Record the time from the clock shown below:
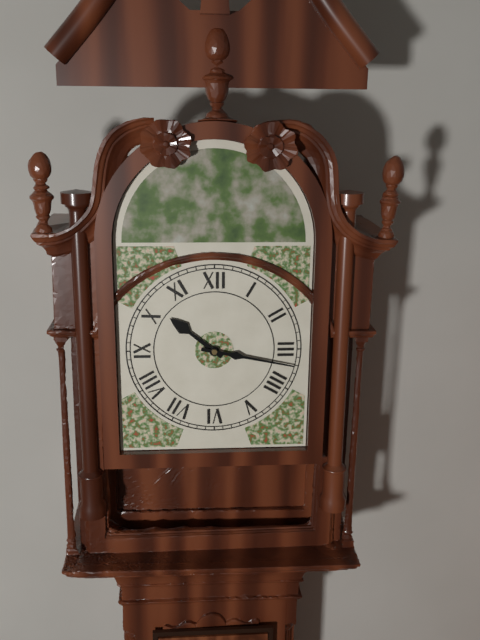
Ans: 10:17
